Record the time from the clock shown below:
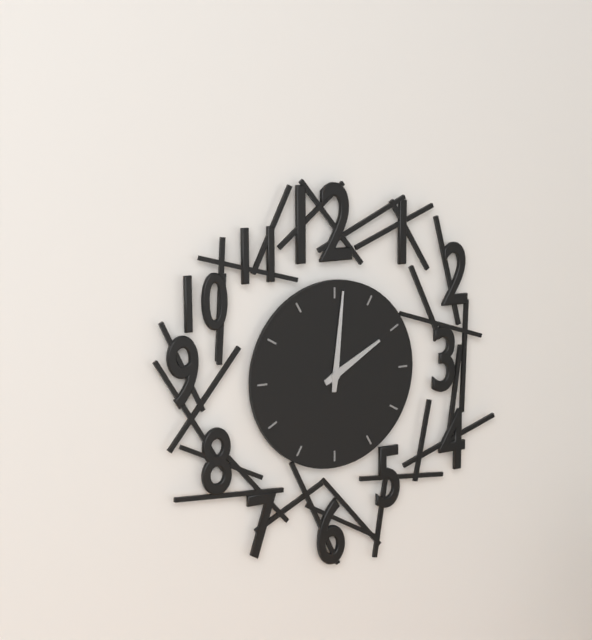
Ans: 2:01
